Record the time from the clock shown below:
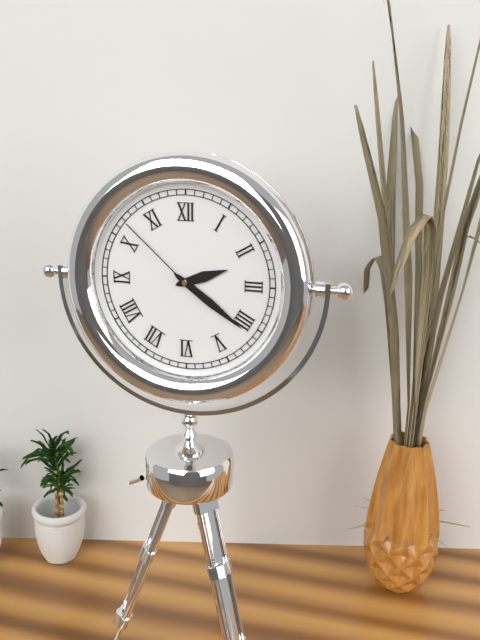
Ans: 2:21:52
